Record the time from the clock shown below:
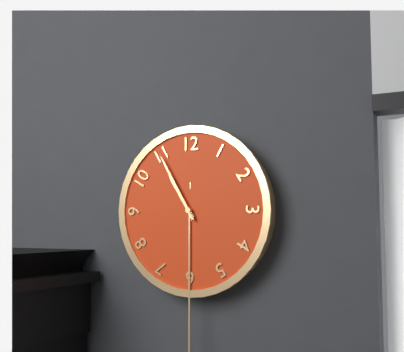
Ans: 10:55
